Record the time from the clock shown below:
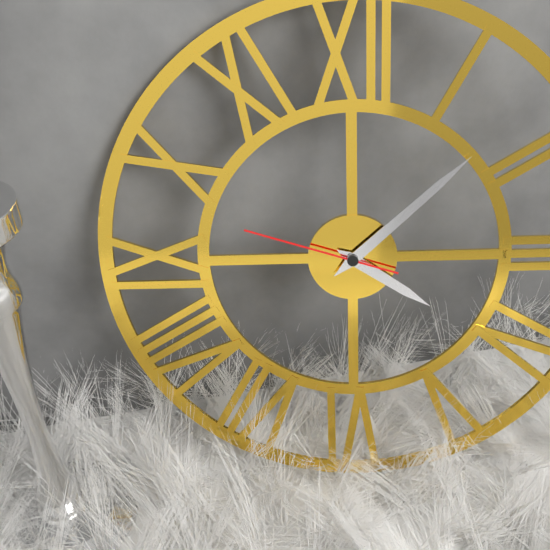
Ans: 4:08:48
